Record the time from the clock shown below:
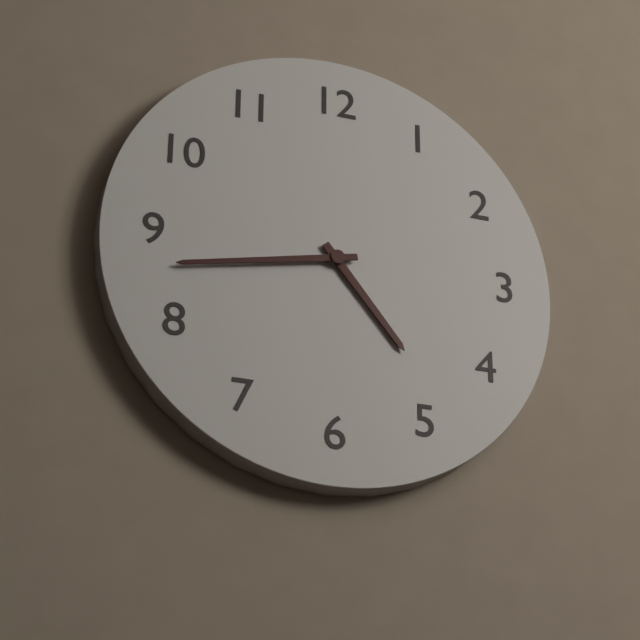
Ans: 4:43
